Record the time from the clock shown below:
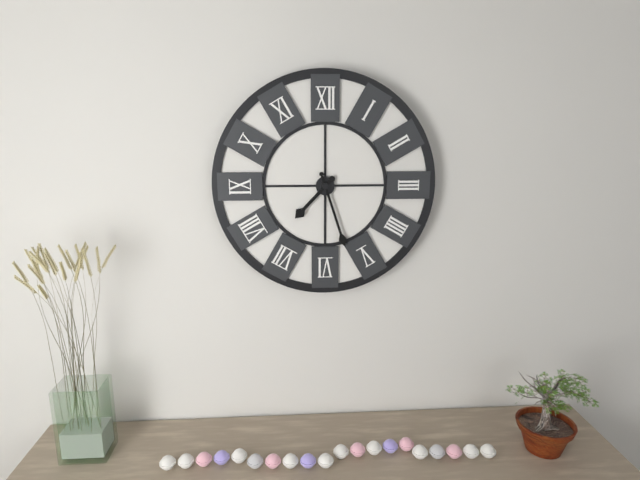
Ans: 7:27
